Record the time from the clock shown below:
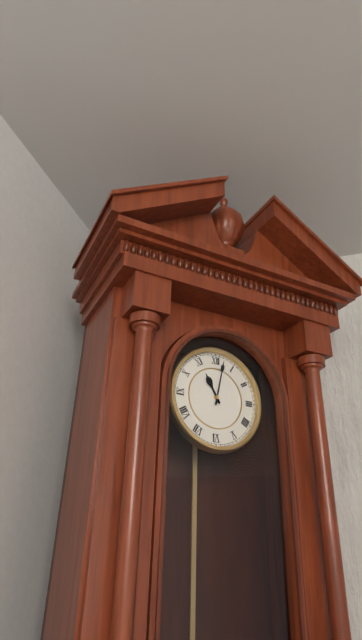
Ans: 11:02
